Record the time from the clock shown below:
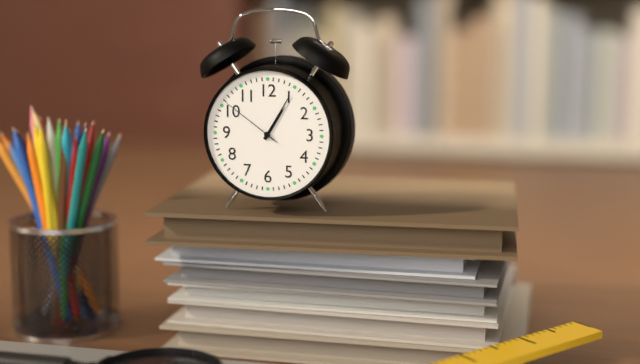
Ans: 1:05:51
